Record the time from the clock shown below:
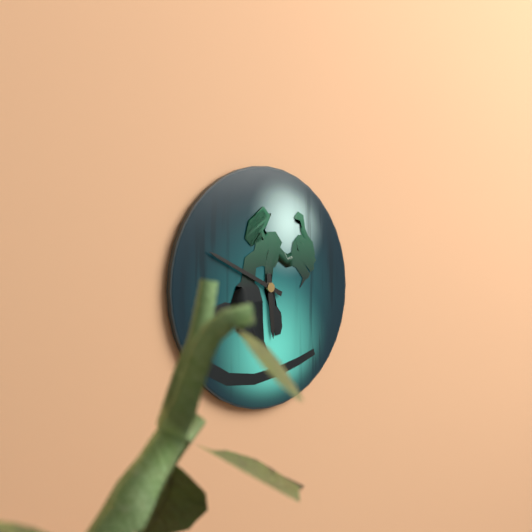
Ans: 5:49
